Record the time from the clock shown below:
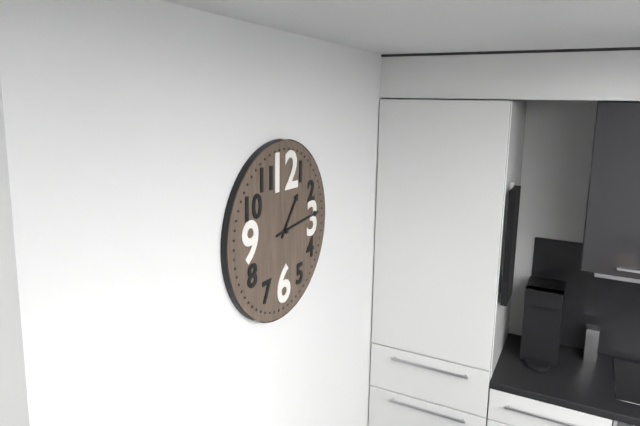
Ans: 1:14
